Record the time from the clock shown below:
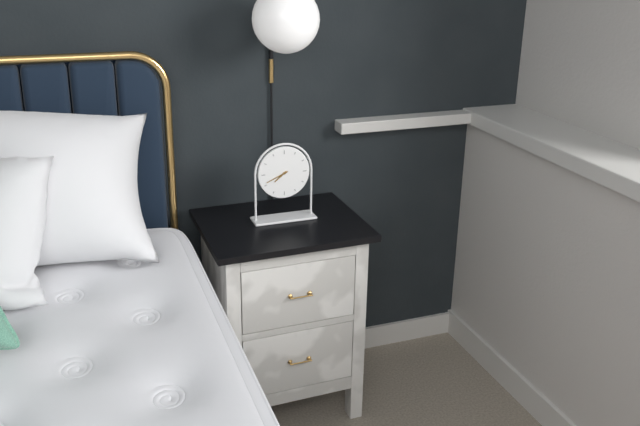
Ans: 7:41
